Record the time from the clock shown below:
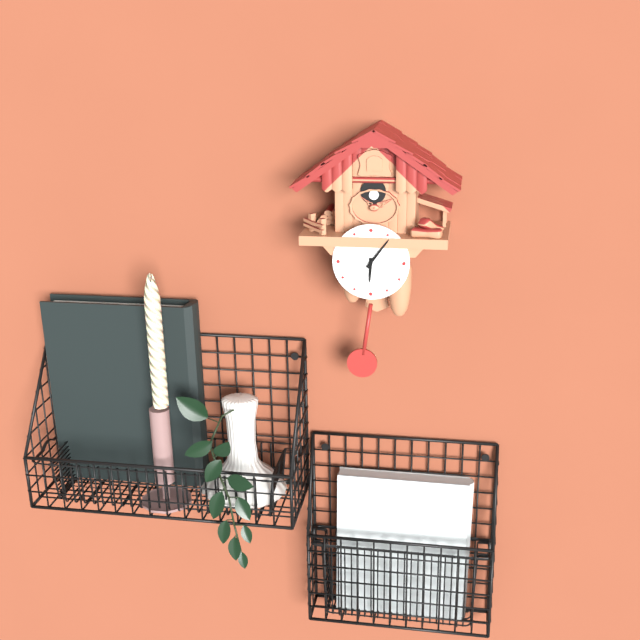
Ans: 6:06
